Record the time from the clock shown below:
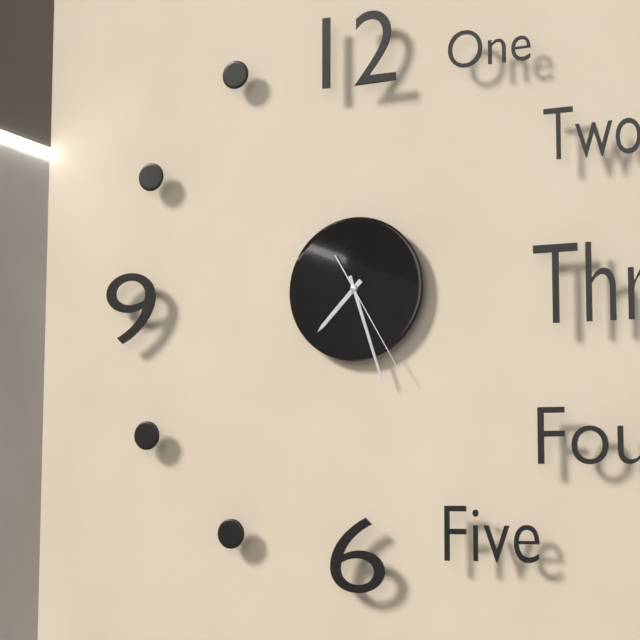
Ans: 7:27:25
